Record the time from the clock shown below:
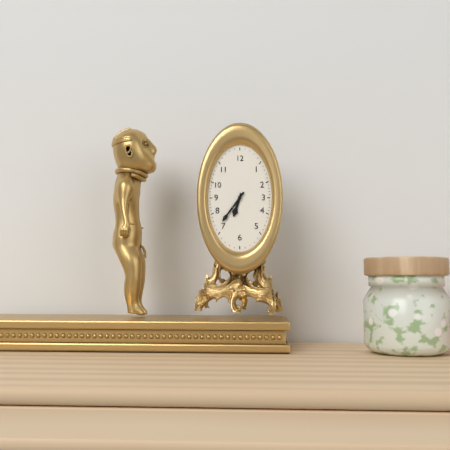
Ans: 6:36
